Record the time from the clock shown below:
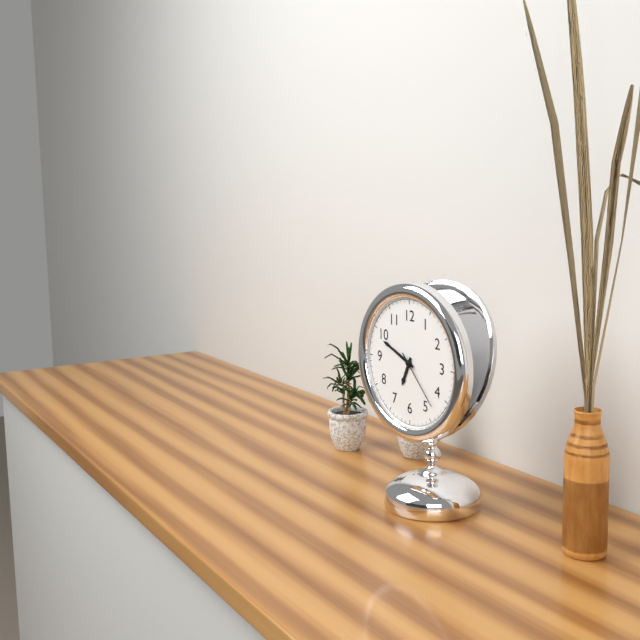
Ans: 6:49:23
